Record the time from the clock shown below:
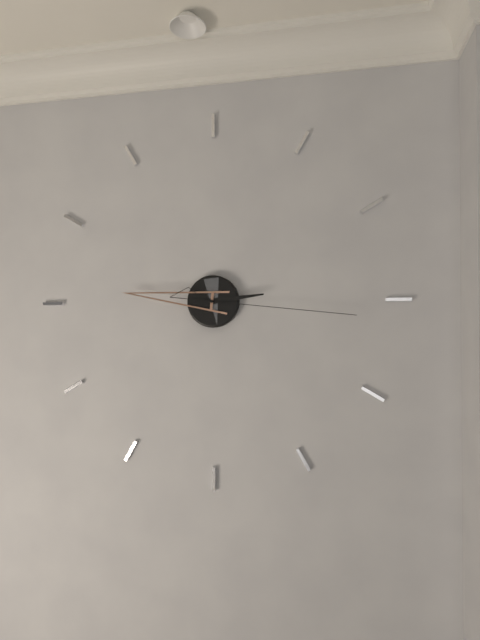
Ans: 2:46:16
